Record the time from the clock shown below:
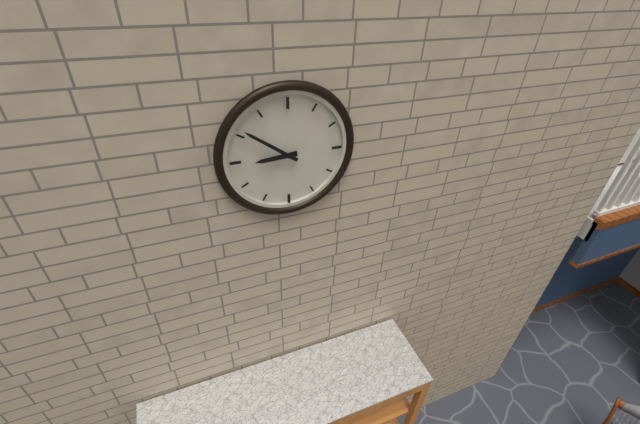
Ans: 8:51
